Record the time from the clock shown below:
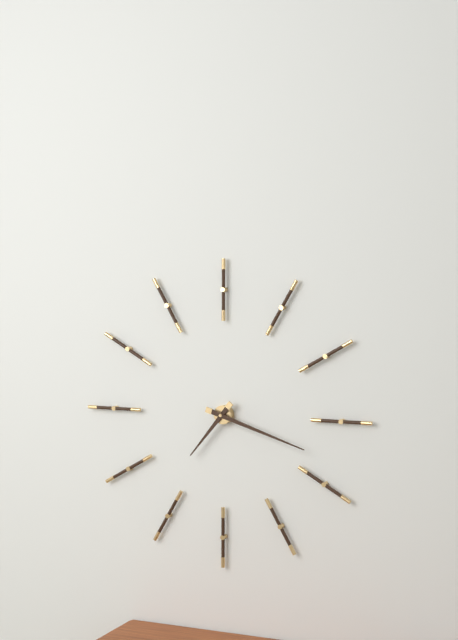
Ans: 7:18
